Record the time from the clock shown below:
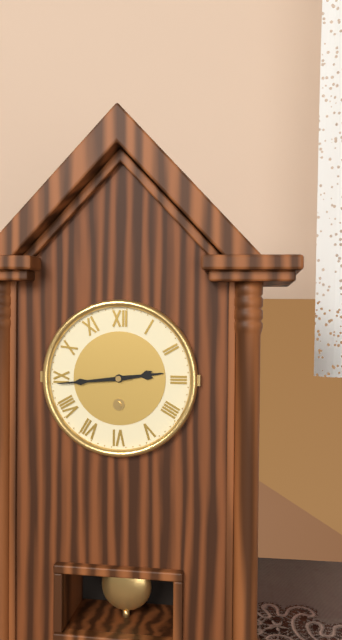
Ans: 2:44
